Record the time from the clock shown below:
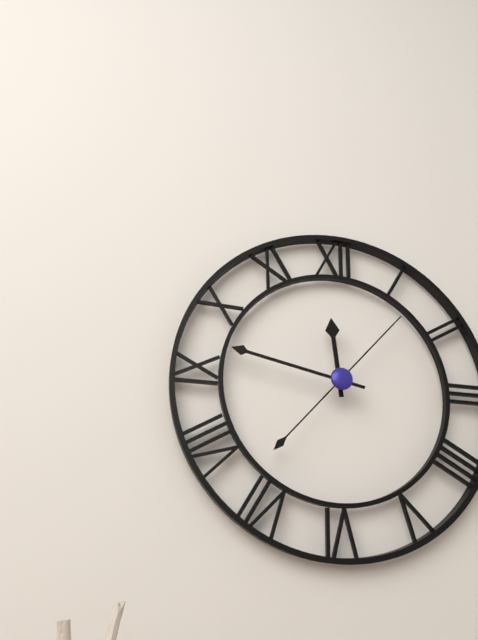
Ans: 11:47:07
